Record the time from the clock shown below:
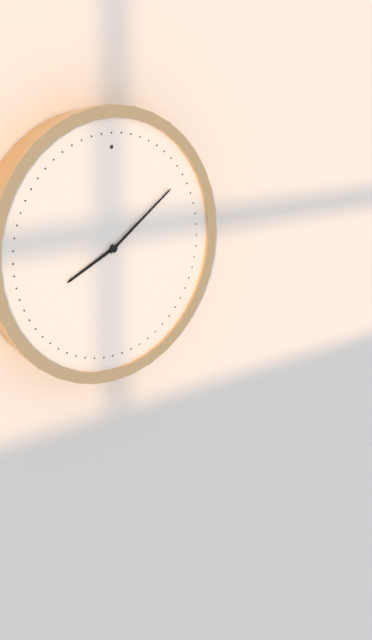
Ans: 8:09
